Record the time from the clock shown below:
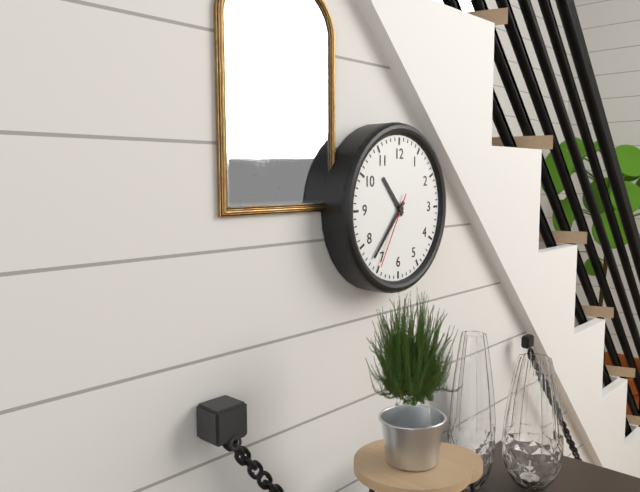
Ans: 10:37:35
